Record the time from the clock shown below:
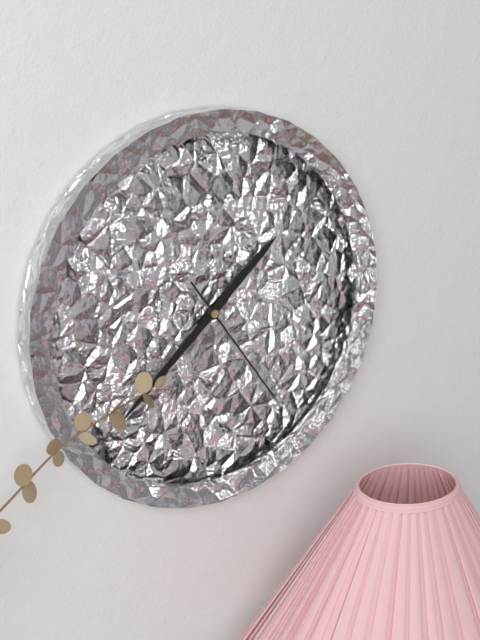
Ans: 1:38:24
